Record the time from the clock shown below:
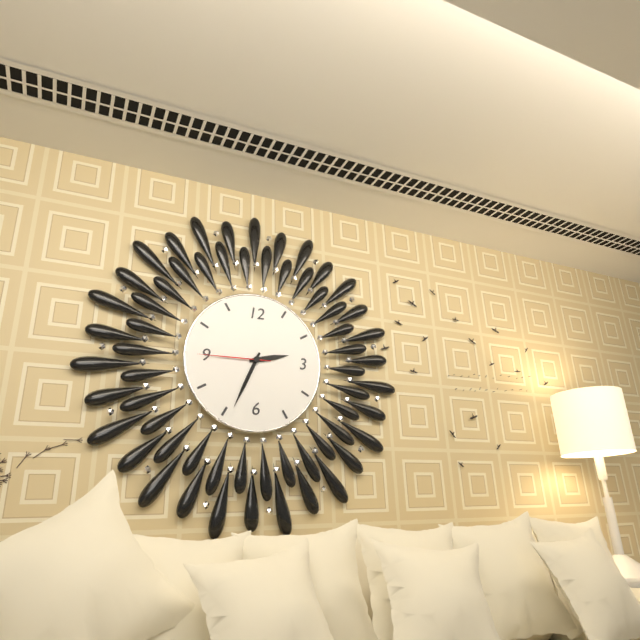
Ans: 2:34:45
